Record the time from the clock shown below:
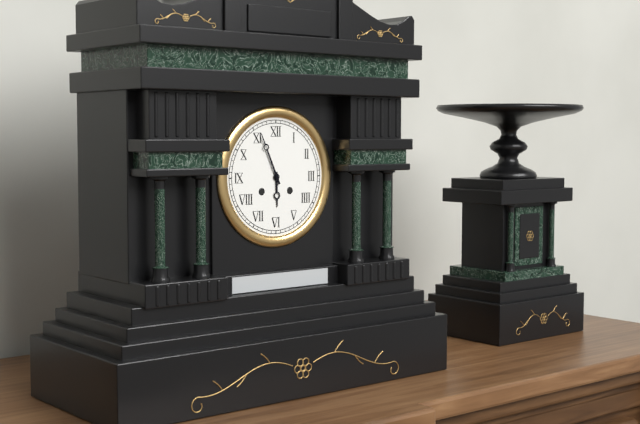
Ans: 5:56
